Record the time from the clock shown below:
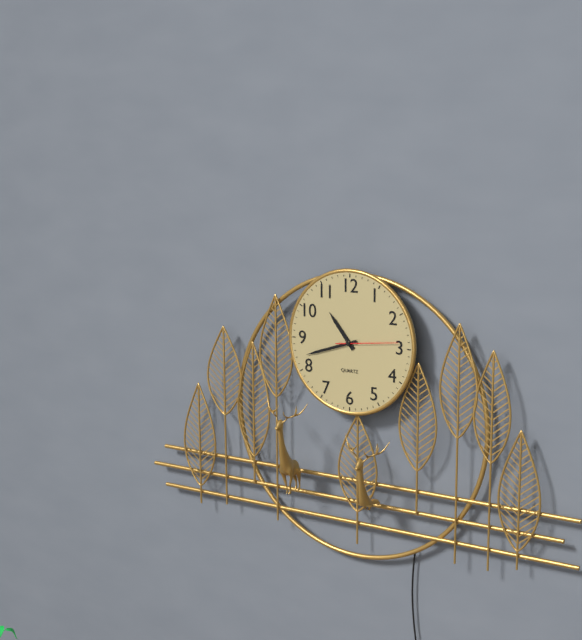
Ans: 10:42:14
